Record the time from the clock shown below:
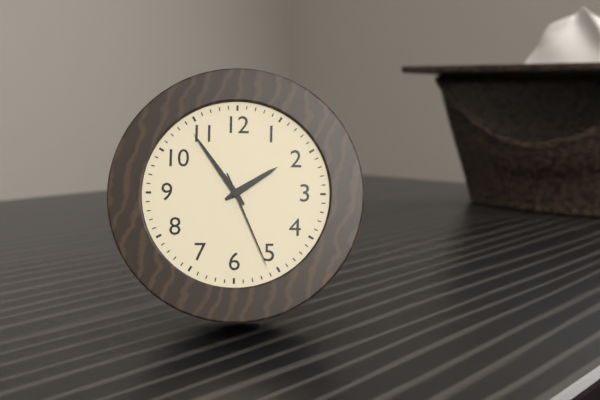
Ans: 1:54:26
